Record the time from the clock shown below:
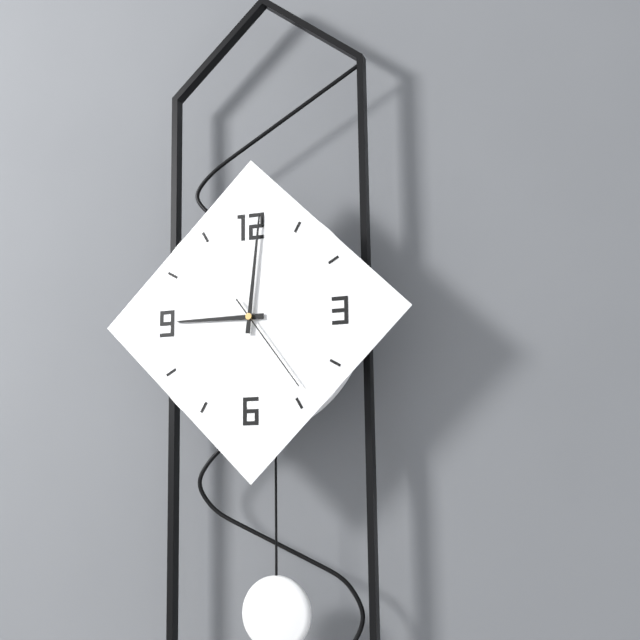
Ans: 9:01:24
